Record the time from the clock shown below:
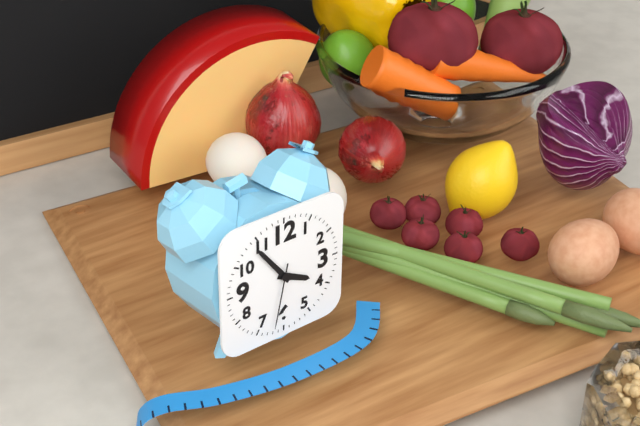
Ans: 3:54:32
